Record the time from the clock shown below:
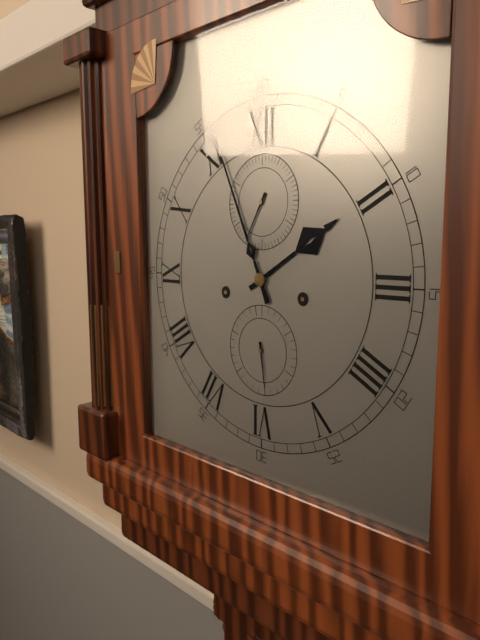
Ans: 1:56
